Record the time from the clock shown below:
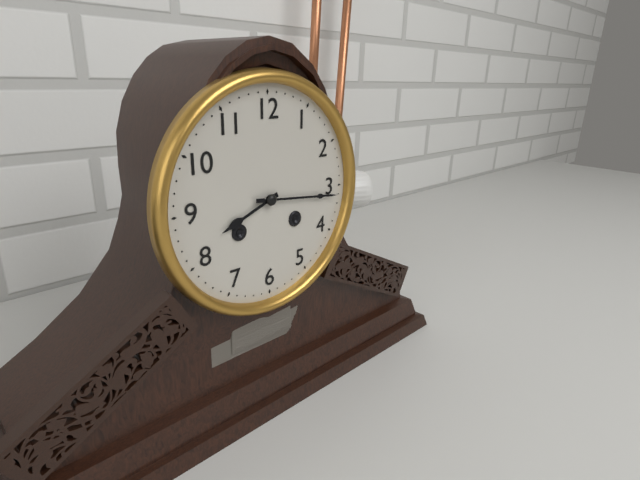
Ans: 8:16
